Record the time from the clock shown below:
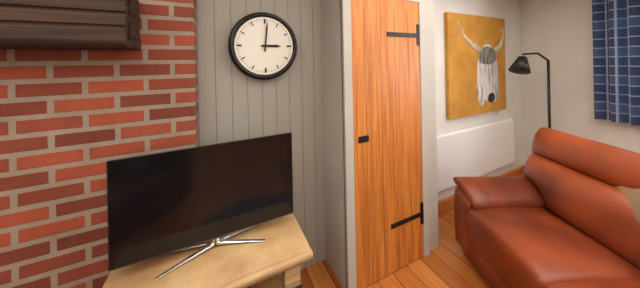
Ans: 3:01
